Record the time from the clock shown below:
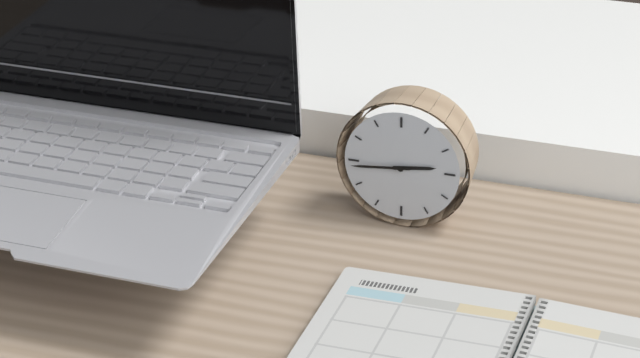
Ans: 2:44
